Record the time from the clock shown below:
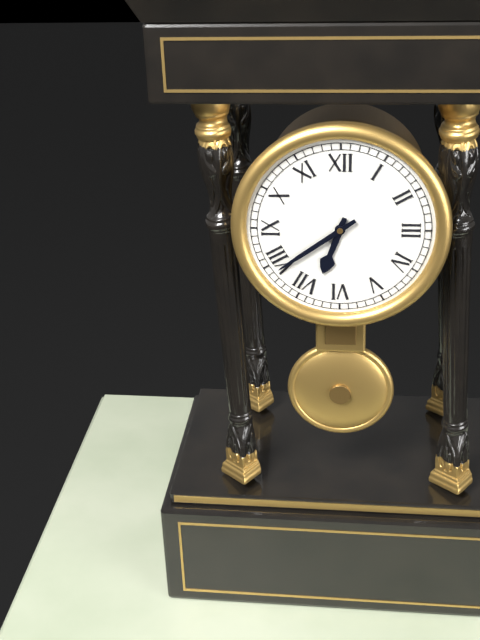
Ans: 6:39
